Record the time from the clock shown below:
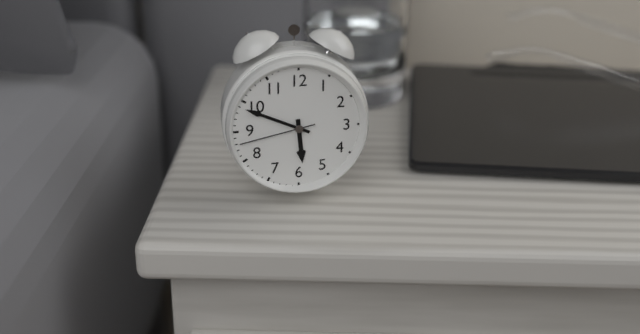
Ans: 5:49:43
